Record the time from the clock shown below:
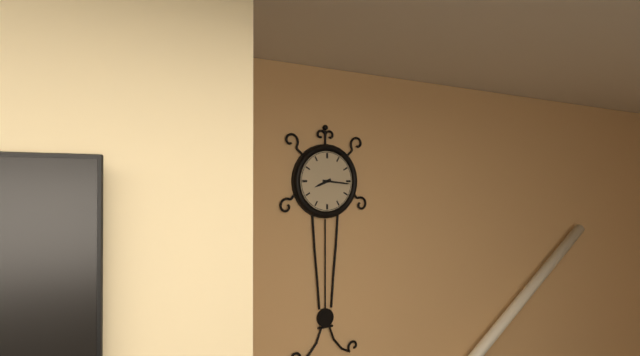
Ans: 8:16
